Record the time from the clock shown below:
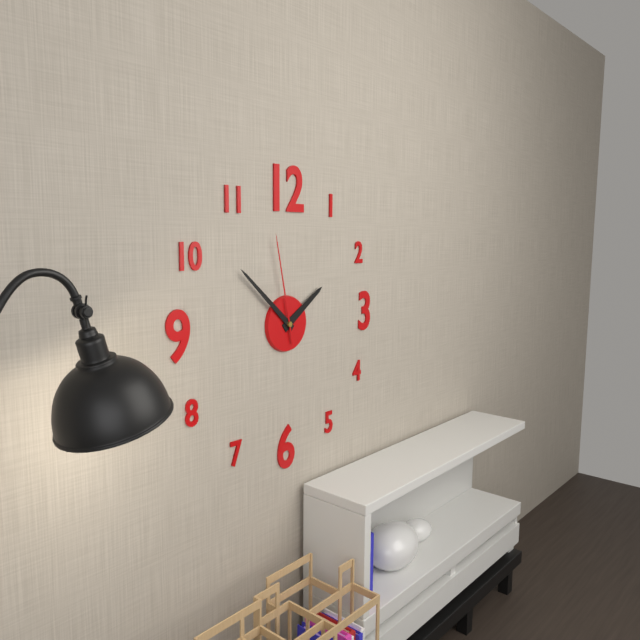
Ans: 1:52:58
